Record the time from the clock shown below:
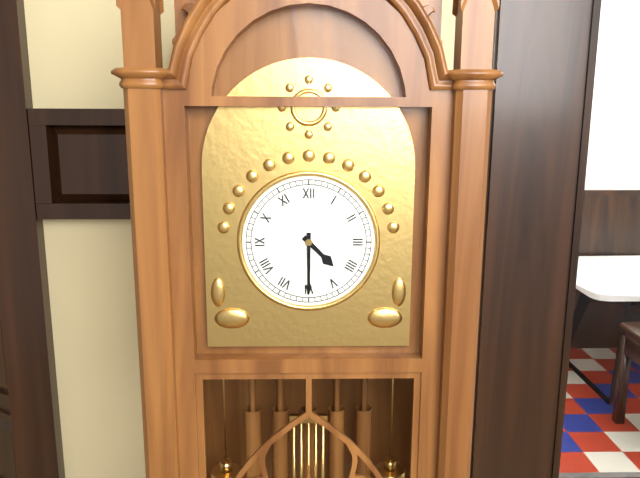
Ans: 4:30
